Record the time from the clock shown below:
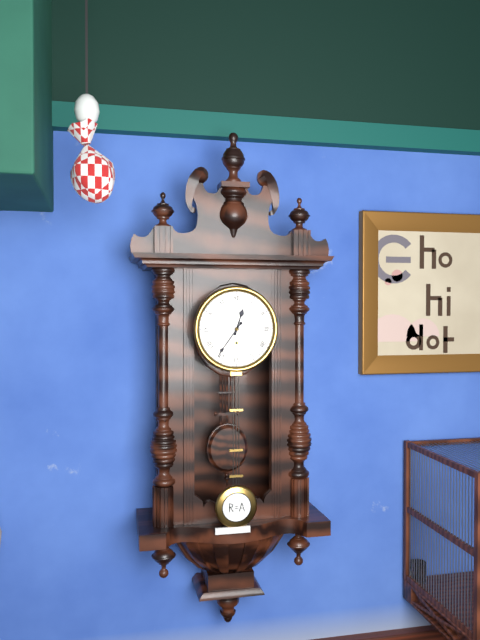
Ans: 12:36
